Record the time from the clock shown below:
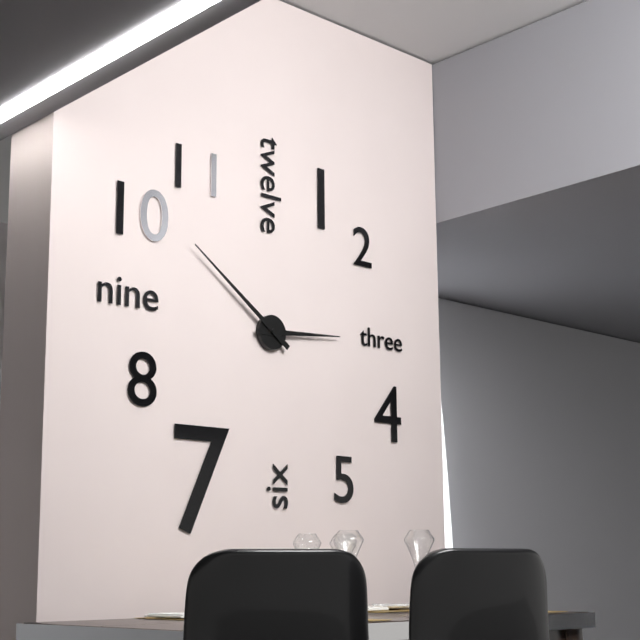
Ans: 2:51
